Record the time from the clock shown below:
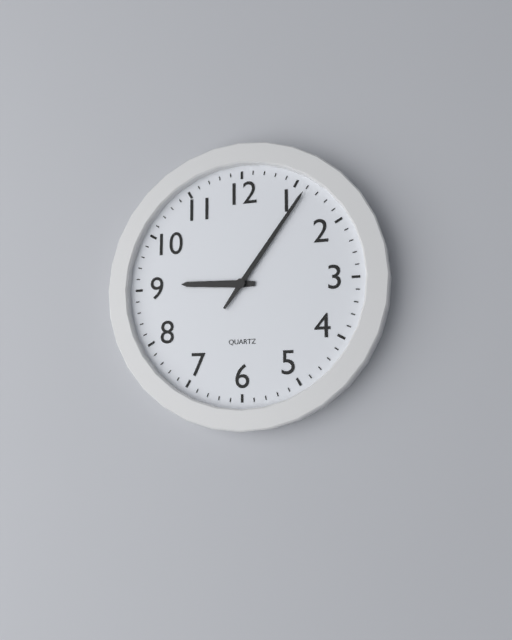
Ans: 9:06
